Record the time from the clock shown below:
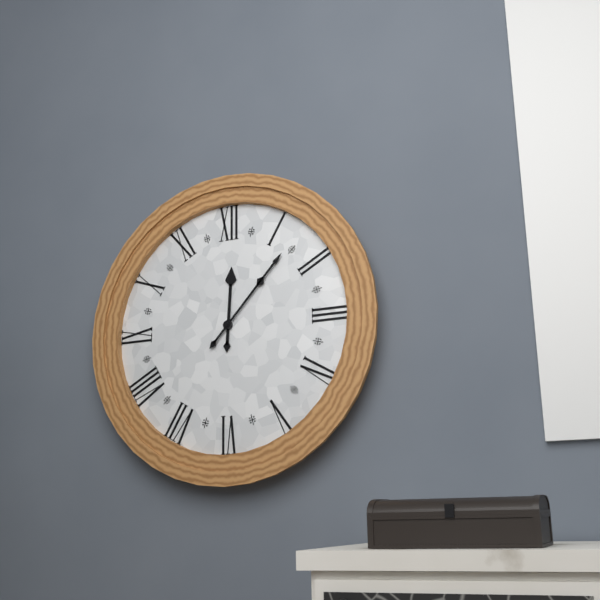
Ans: 12:07
